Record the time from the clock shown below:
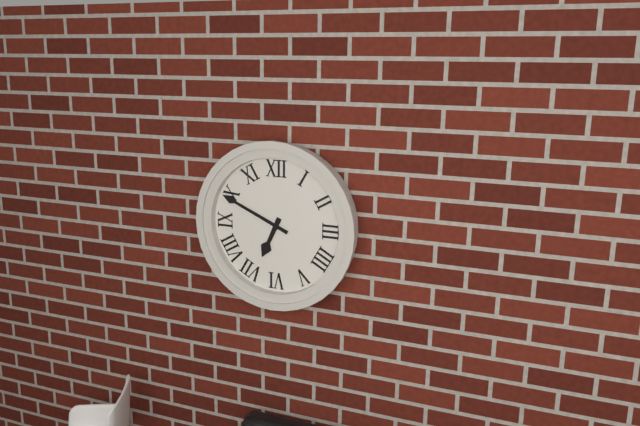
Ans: 6:49
